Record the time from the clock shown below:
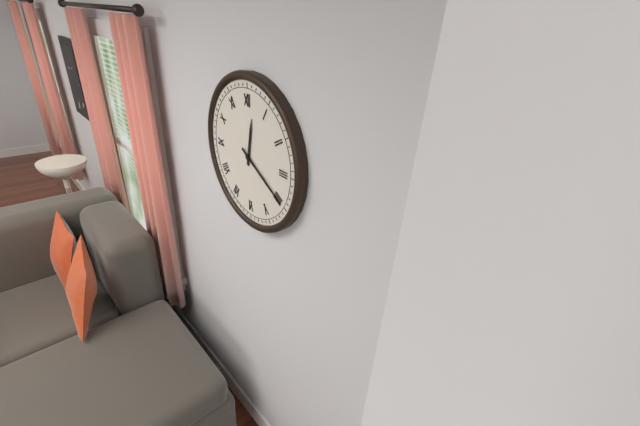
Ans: 12:20
